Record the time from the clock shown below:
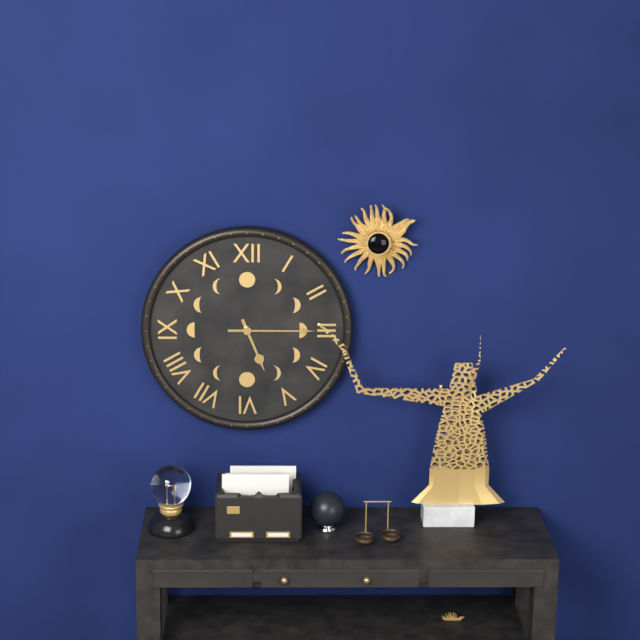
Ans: 5:15
